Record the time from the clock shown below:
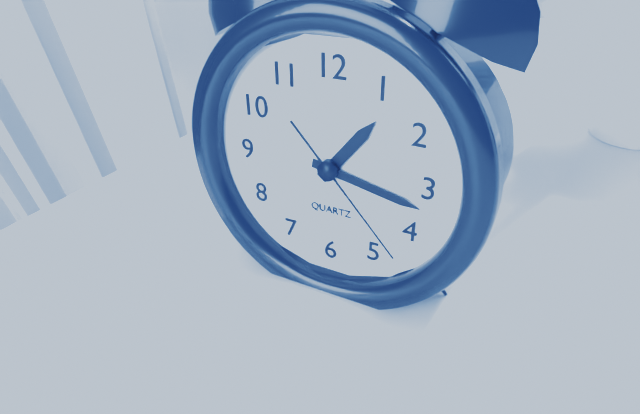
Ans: 1:17:23
